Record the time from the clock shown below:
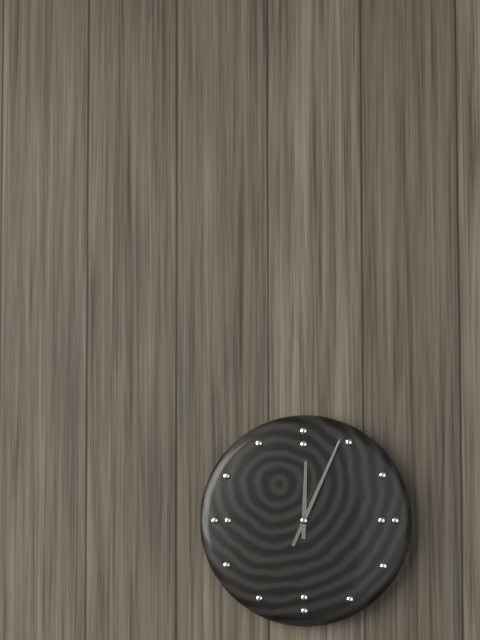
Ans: 12:04
